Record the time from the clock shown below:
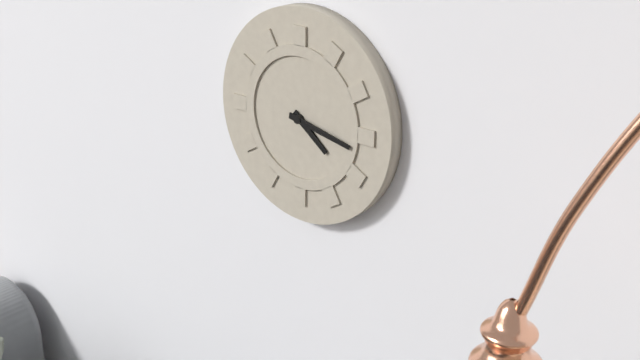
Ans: 4:17
